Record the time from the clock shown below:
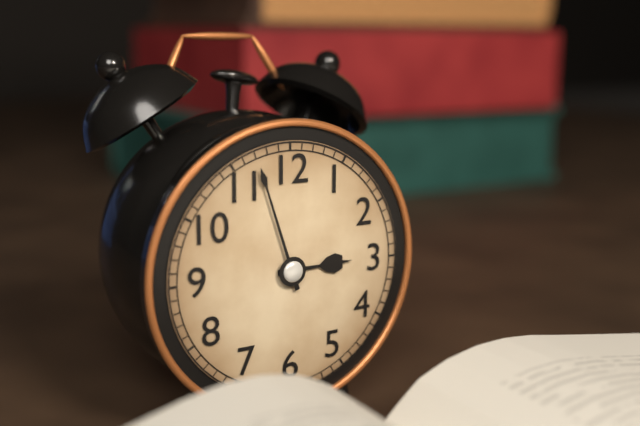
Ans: 2:57
